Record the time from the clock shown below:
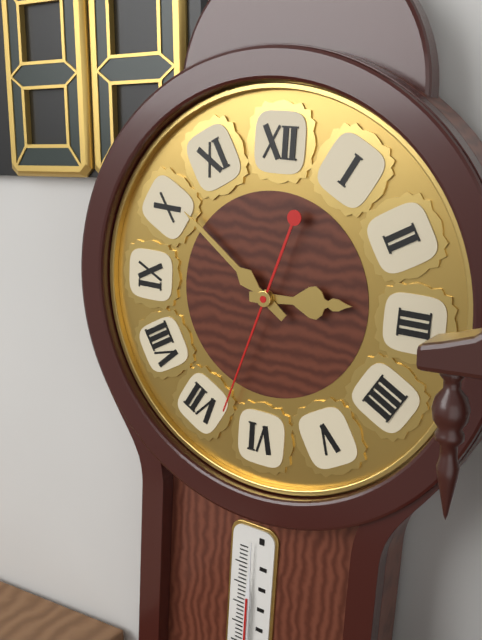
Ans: 2:51:33
